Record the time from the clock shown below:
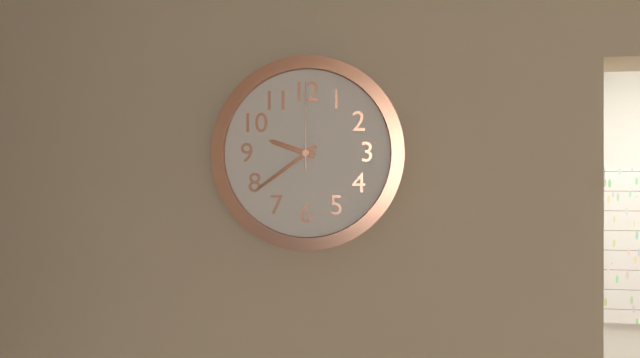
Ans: 9:39:00
